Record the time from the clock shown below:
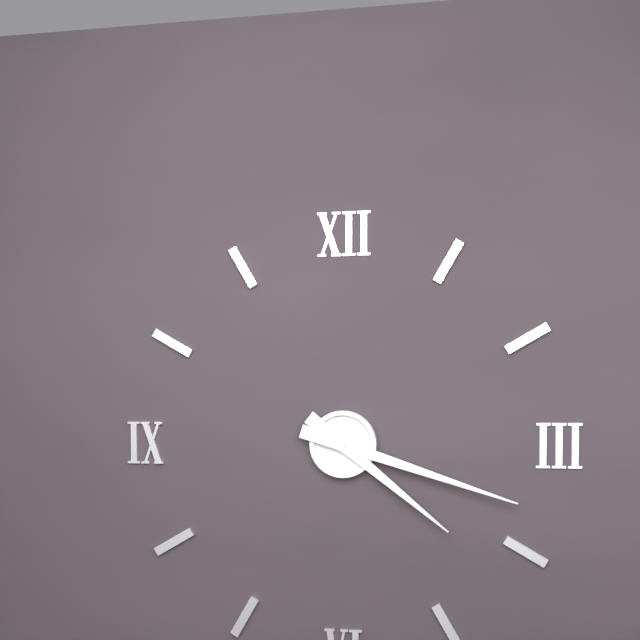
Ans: 4:18
